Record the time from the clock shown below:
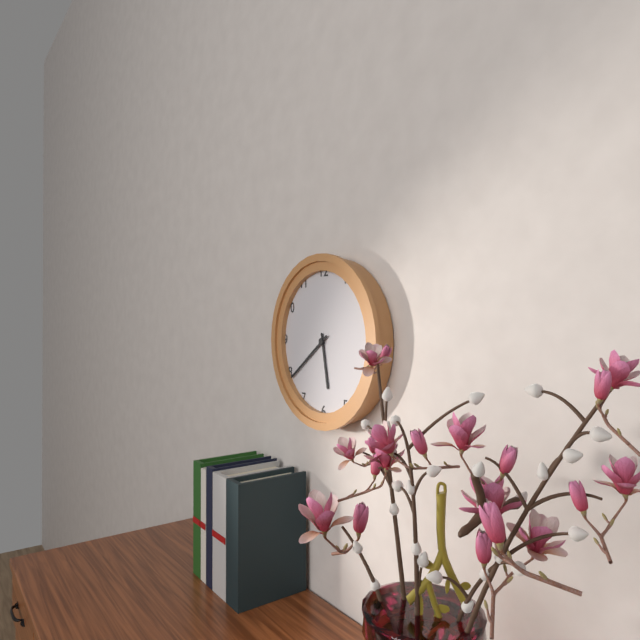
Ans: 5:39
